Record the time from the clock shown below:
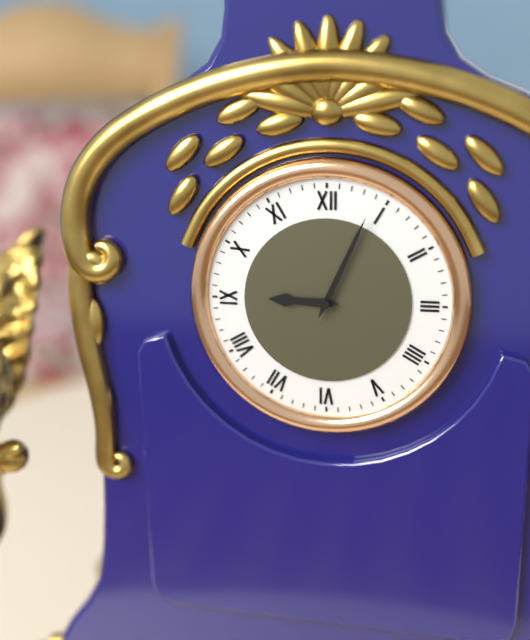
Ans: 9:04
